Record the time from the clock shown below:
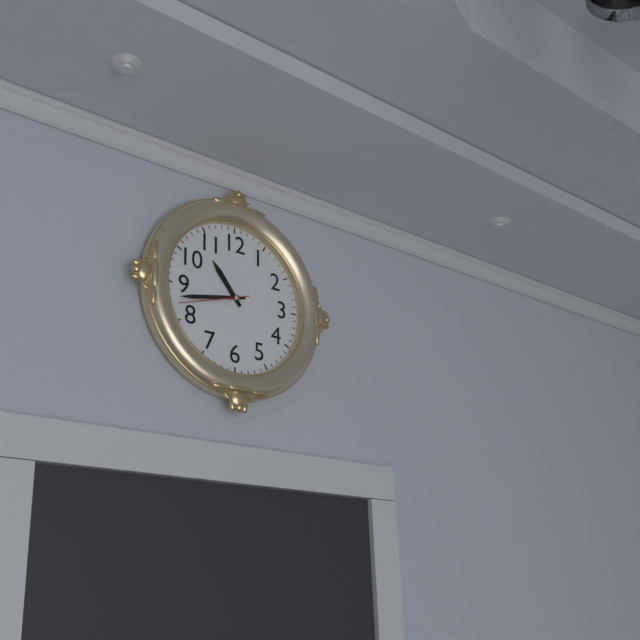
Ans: 10:43:42
